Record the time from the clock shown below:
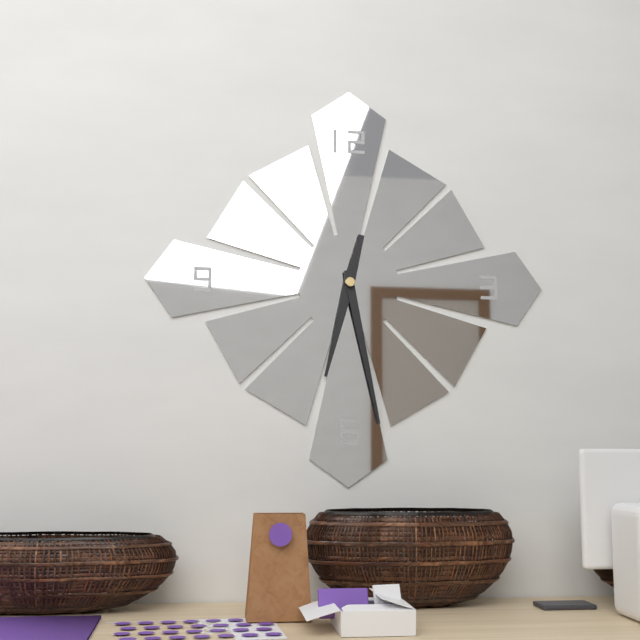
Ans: 6:28
